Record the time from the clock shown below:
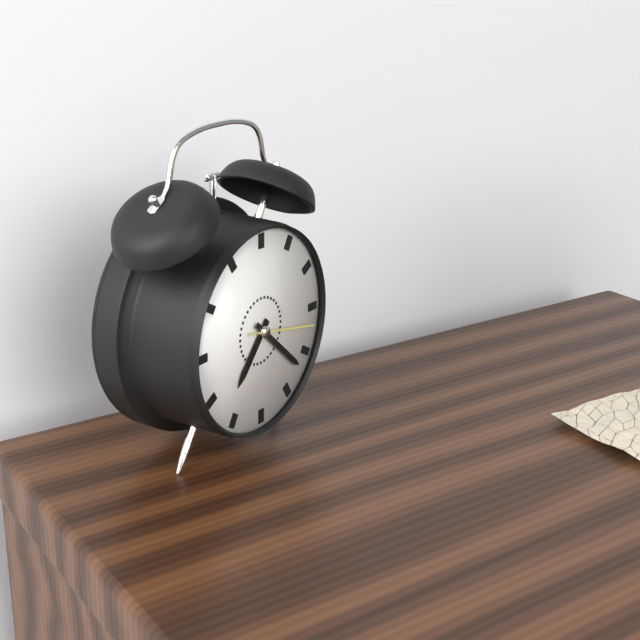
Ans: 7:22:17
